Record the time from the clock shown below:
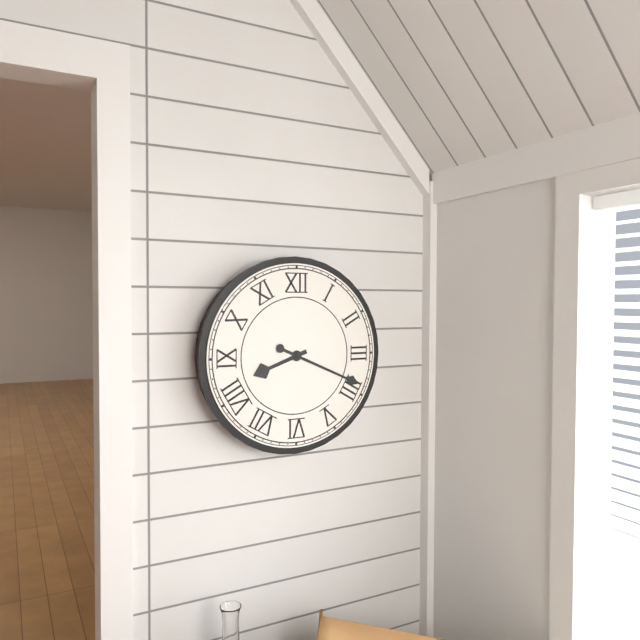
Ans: 8:19
